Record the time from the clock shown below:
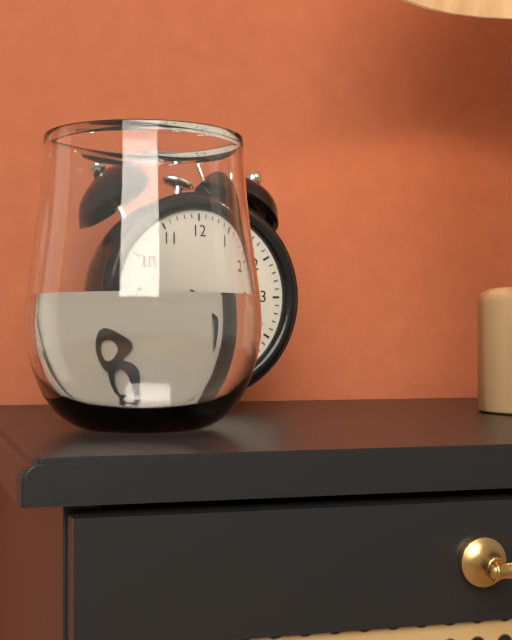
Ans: 3:19
